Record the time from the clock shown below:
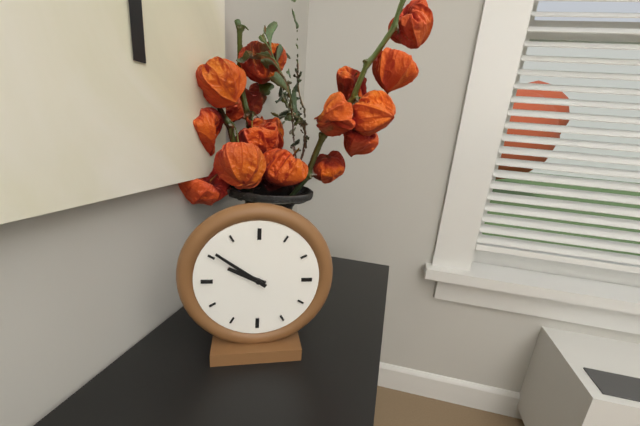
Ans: 9:51
